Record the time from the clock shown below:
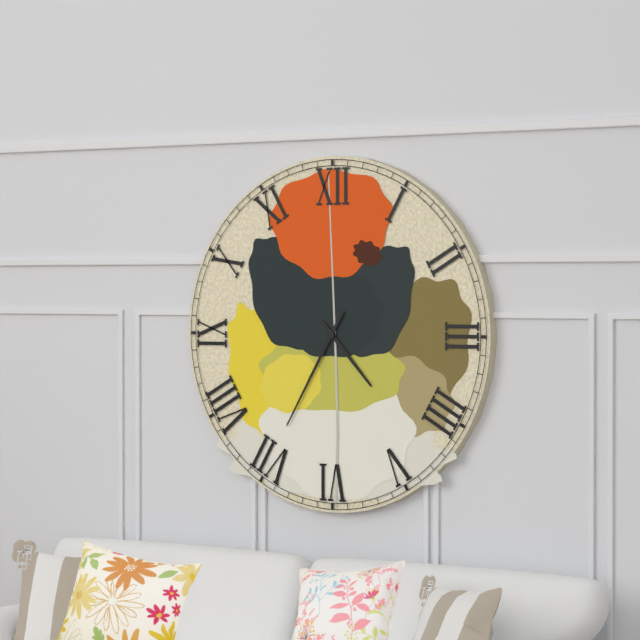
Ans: 4:35
